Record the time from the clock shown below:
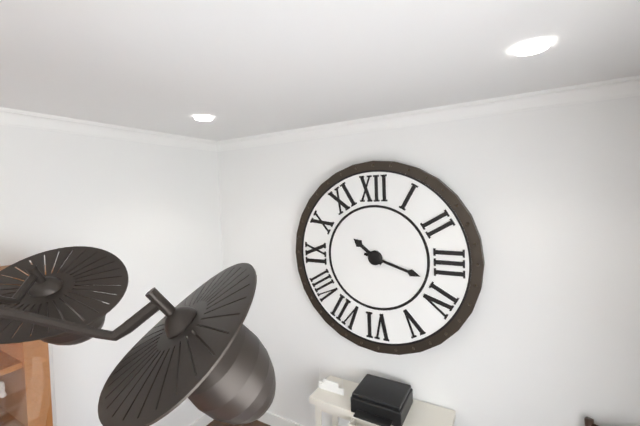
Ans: 10:18
